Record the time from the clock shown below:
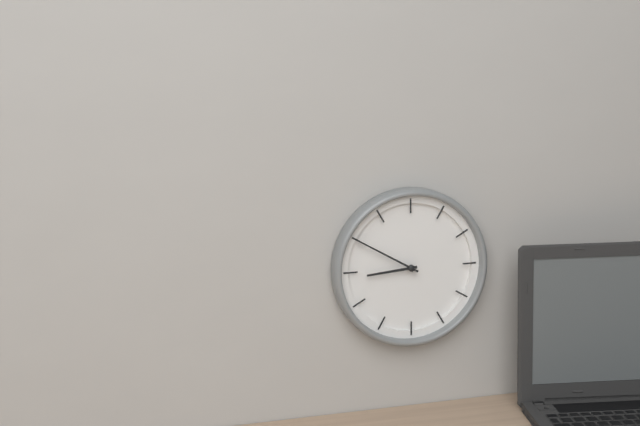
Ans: 8:50
